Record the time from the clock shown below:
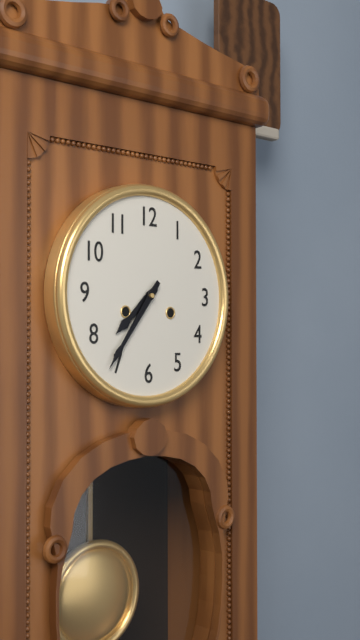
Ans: 7:36
